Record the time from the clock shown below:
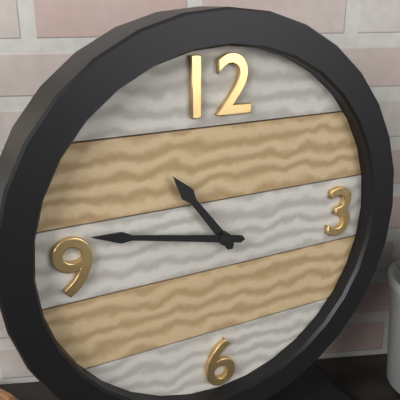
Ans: 10:47
